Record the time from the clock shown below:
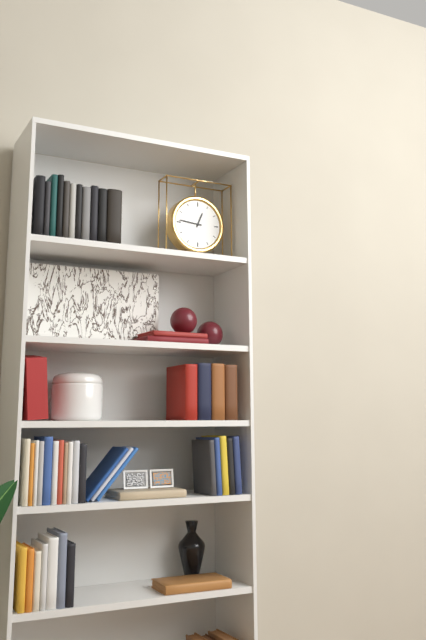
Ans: 12:46
